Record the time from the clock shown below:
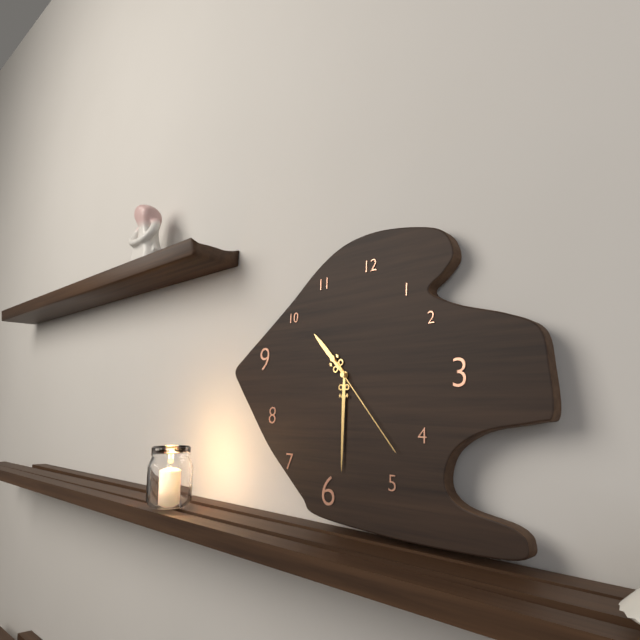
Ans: 10:30:23
